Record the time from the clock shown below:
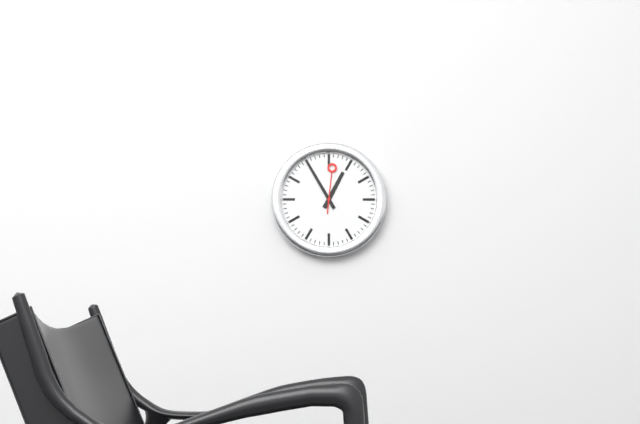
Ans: 12:55
